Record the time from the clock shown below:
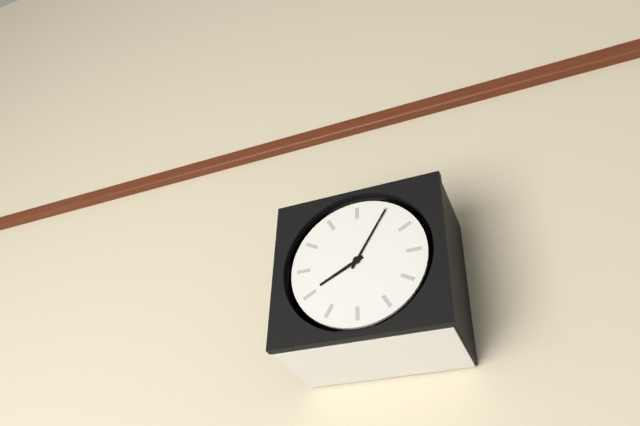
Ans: 8:05
